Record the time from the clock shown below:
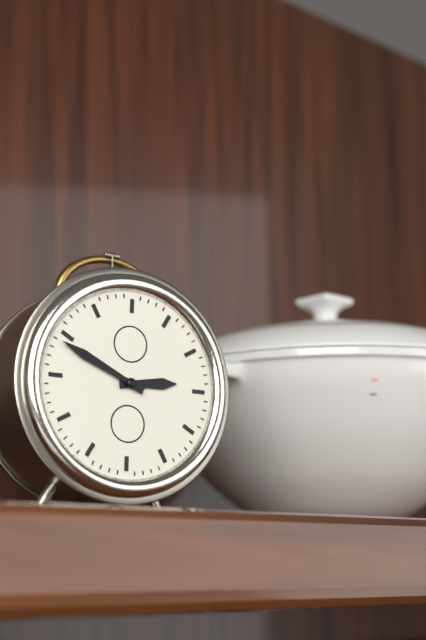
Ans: 2:49
